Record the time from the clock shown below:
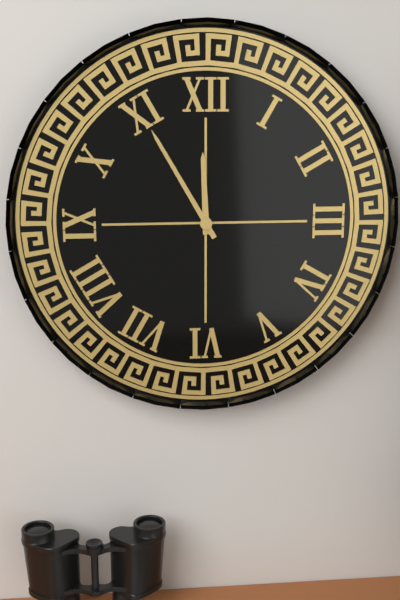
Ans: 11:55
